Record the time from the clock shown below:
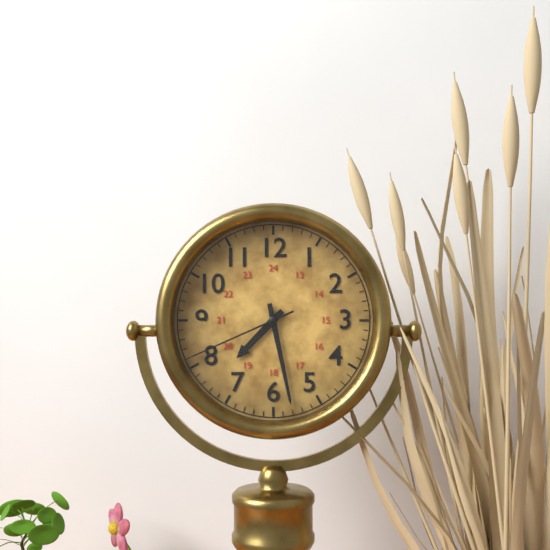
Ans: 7:28:41
